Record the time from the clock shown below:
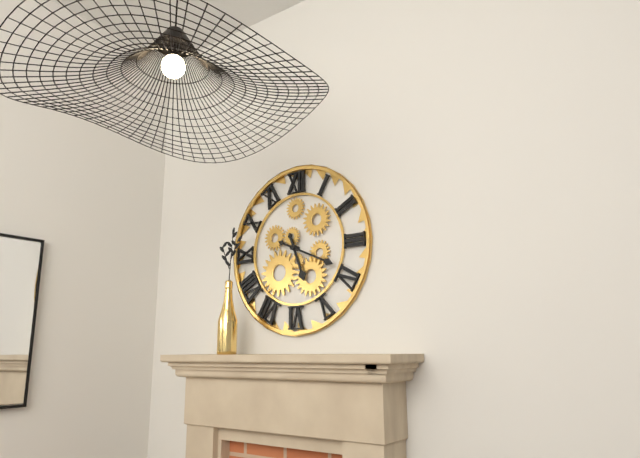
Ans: 5:19
